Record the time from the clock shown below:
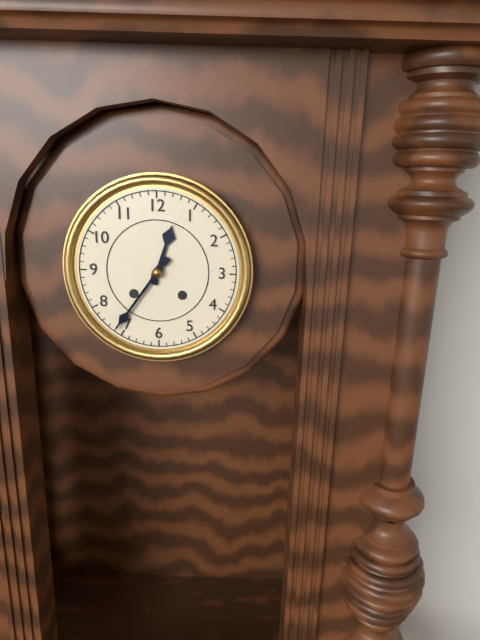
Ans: 12:36
